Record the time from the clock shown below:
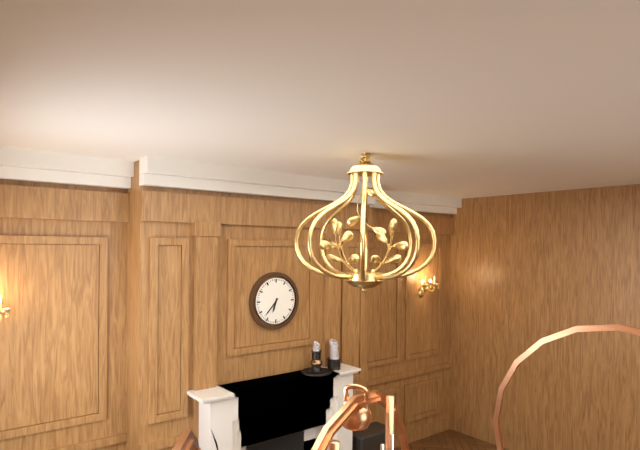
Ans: 6:37
